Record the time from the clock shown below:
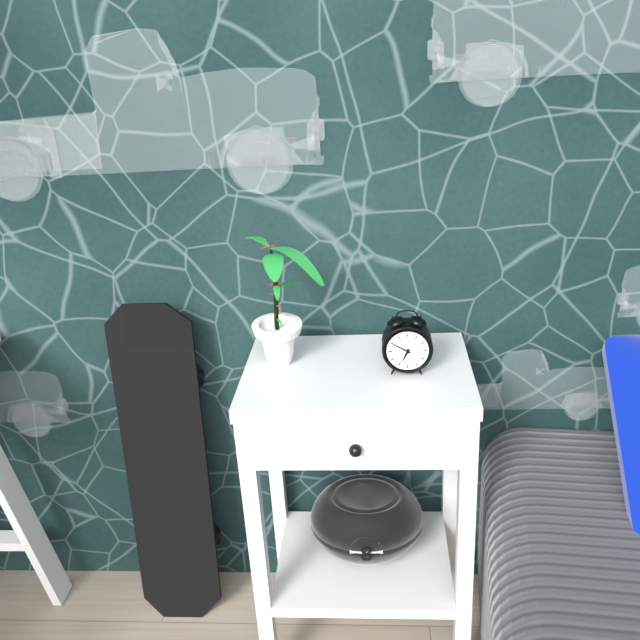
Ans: 6:50
